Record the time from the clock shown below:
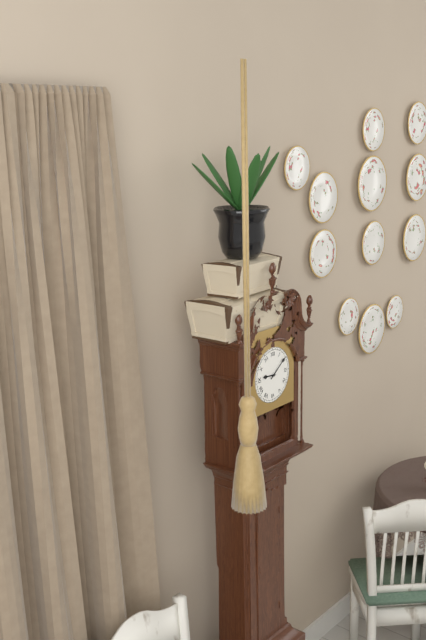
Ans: 9:09
